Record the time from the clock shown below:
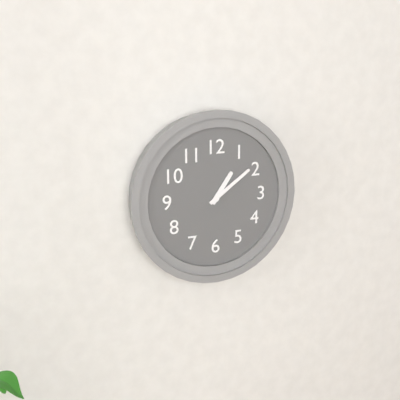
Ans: 1:09
